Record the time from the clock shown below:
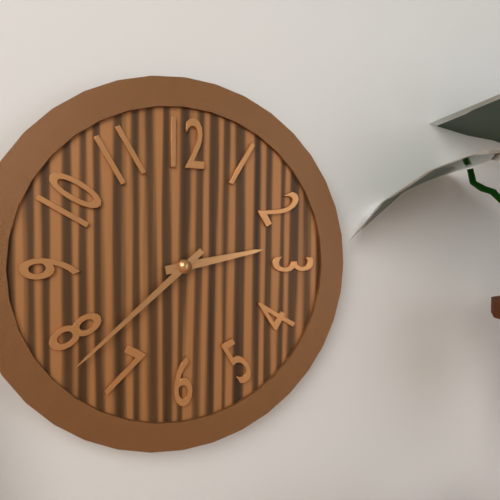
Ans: 2:38
